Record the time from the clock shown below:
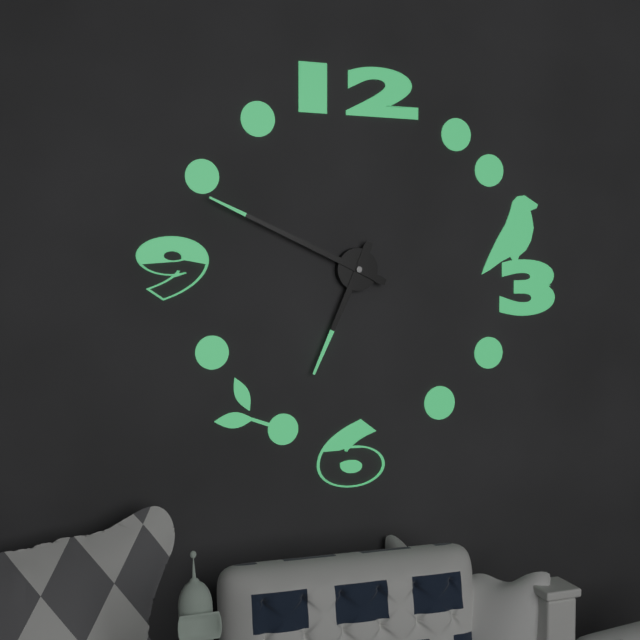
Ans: 6:49
